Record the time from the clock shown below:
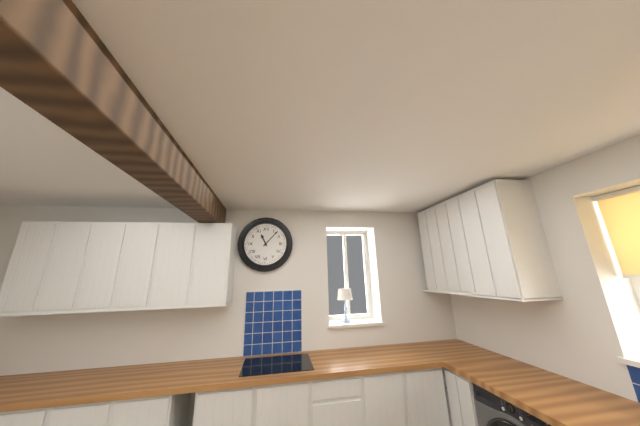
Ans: 11:07
